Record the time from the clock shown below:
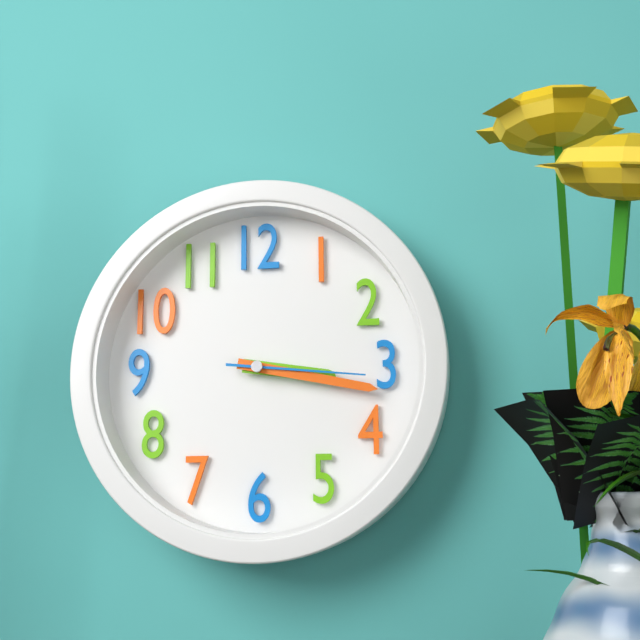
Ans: 3:17:16
